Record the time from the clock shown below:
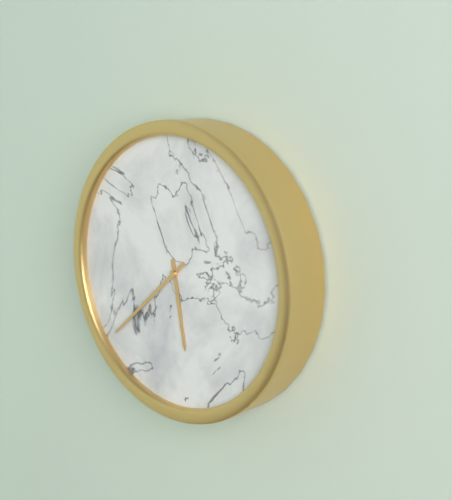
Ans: 5:38
